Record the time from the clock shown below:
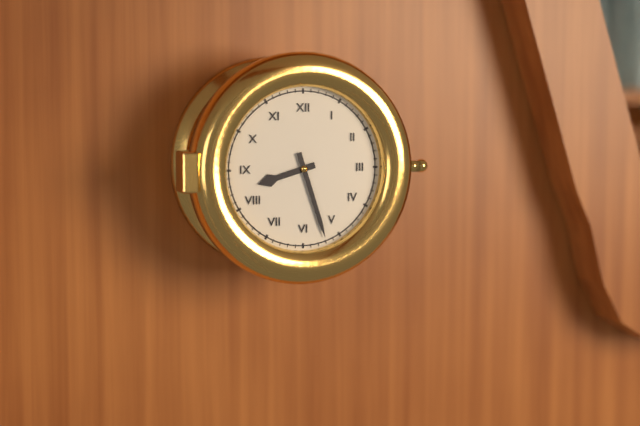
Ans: 8:27
